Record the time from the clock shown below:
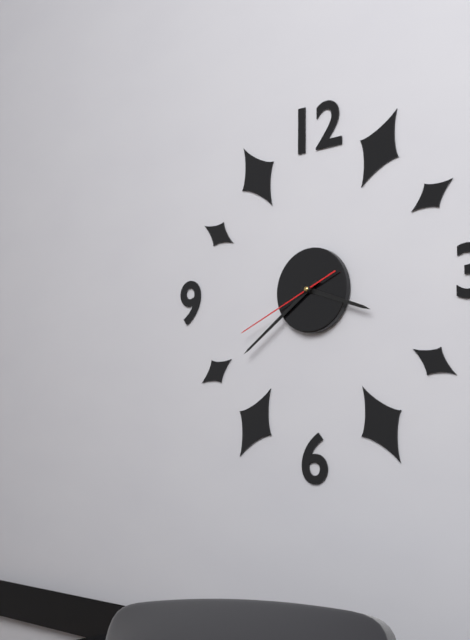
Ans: 3:39:41
